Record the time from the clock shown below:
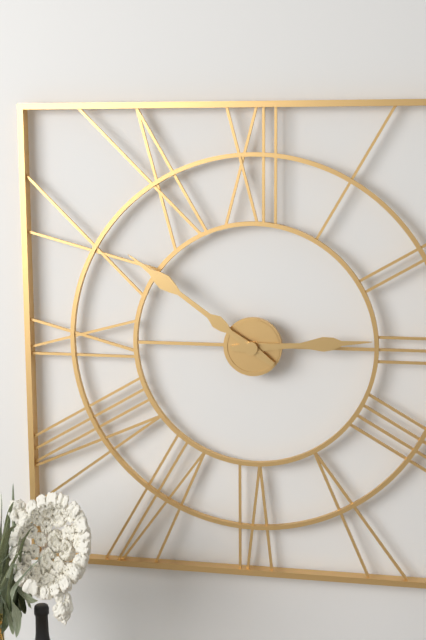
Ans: 2:51
